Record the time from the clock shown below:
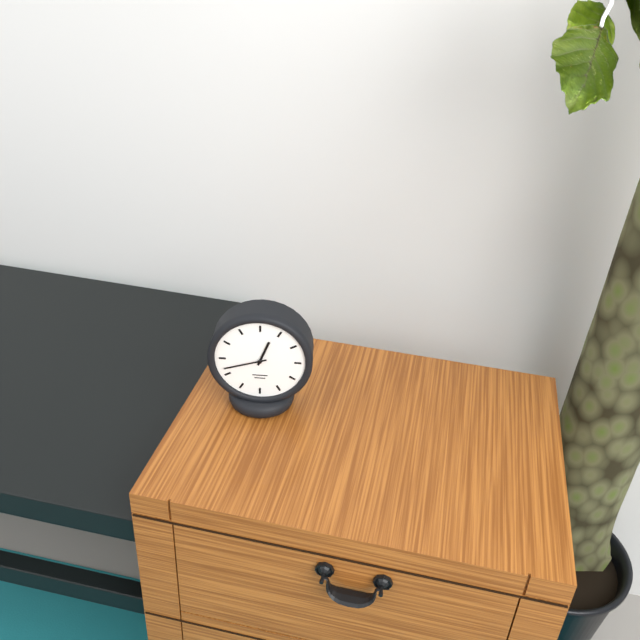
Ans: 12:42
